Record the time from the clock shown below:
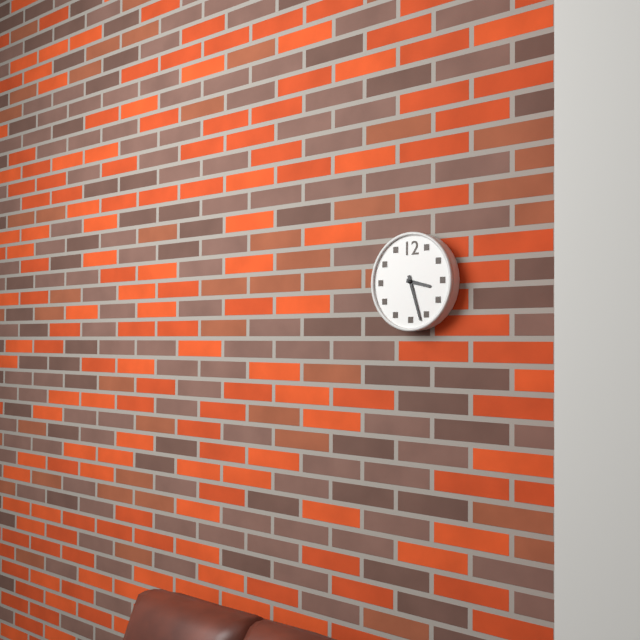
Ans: 3:27
